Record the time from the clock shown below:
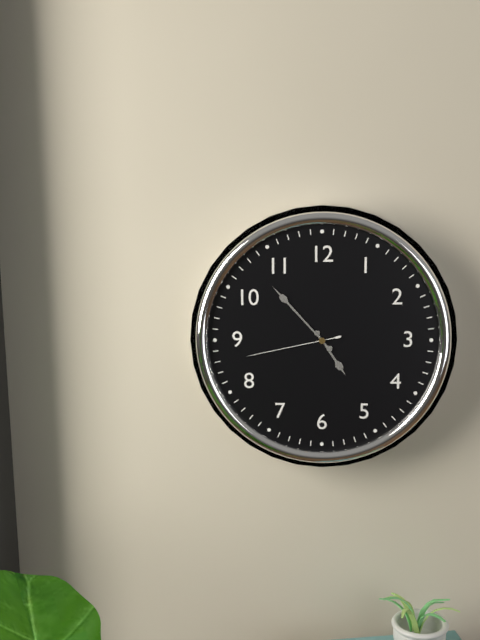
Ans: 4:53:43
